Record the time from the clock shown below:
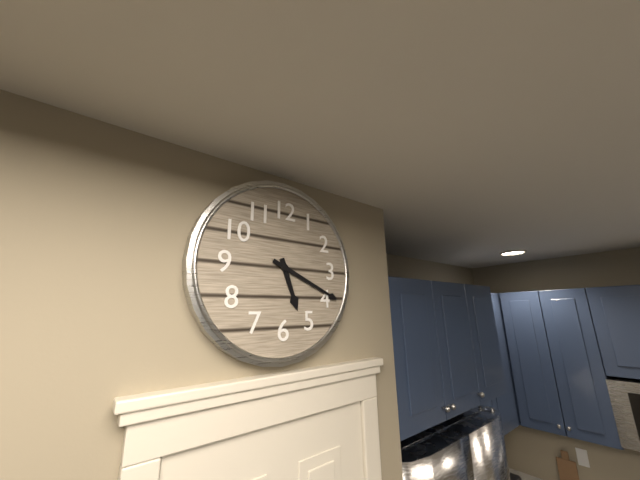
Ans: 5:19
